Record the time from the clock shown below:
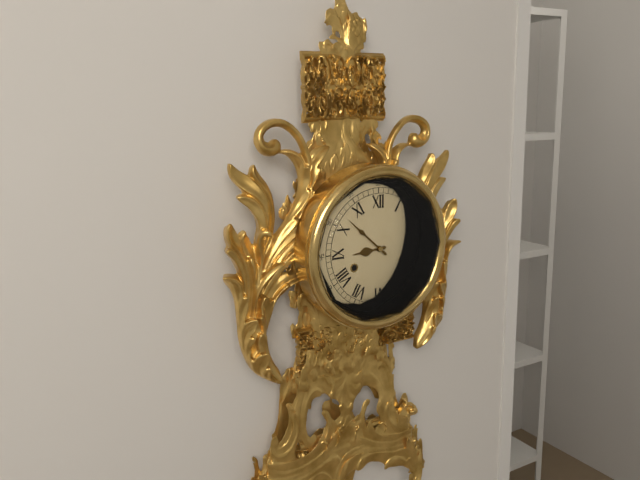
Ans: 8:52
